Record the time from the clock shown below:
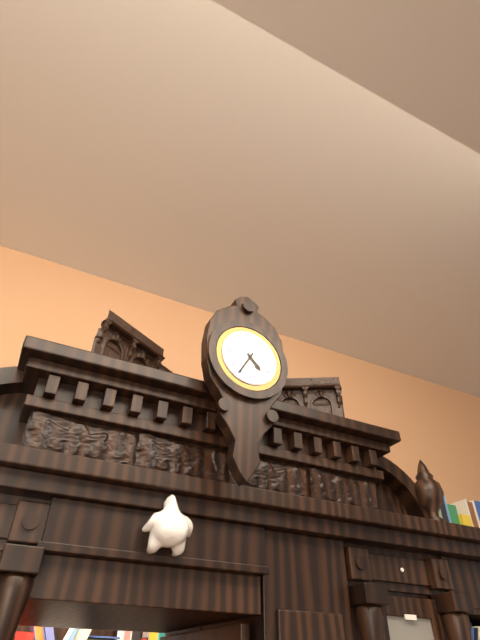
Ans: 4:35
